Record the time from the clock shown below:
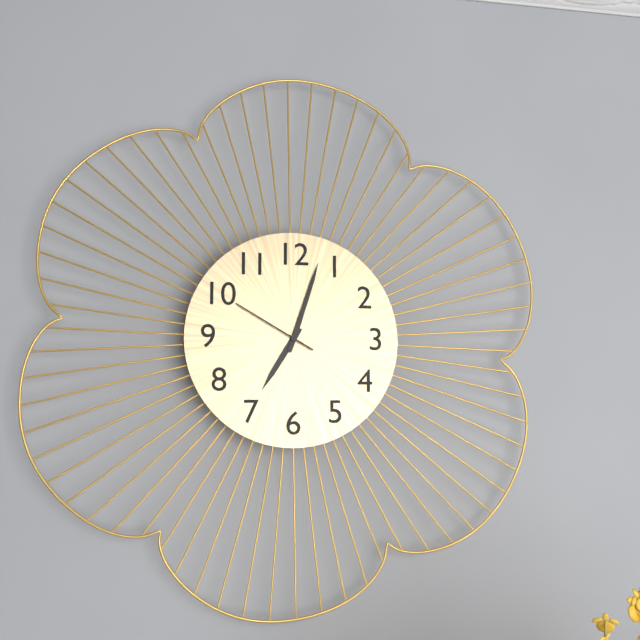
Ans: 7:03:50
